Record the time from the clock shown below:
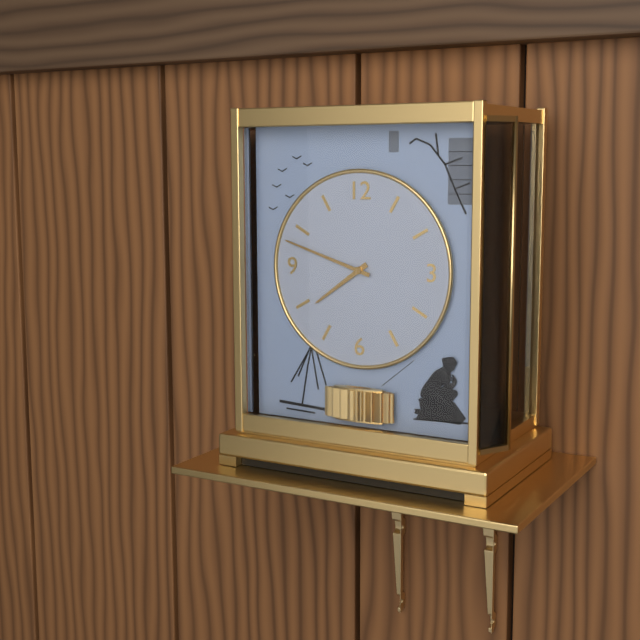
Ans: 7:48
